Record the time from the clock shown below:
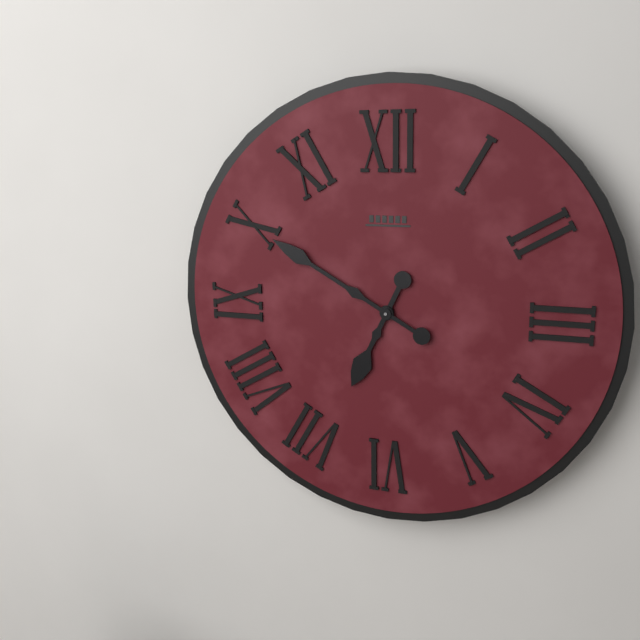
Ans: 6:50
